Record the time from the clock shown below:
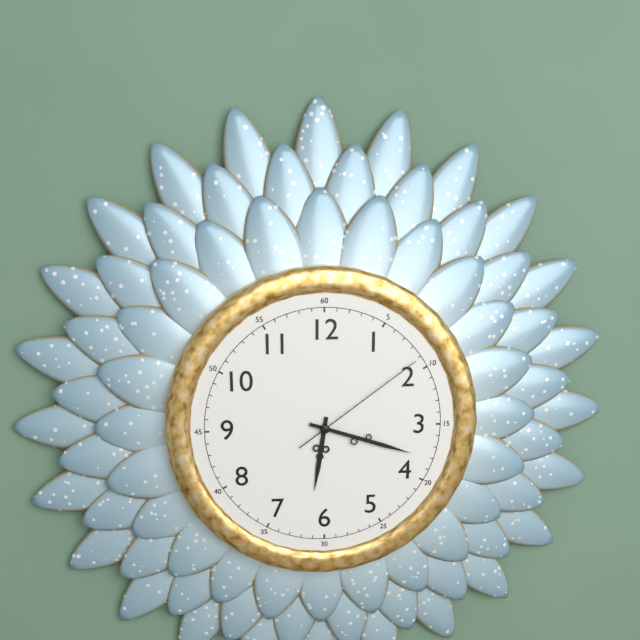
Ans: 6:18:09
